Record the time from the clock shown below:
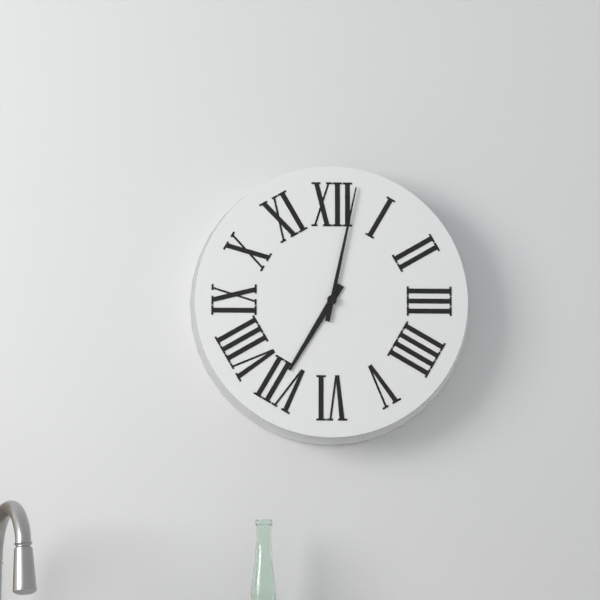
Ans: 7:02
